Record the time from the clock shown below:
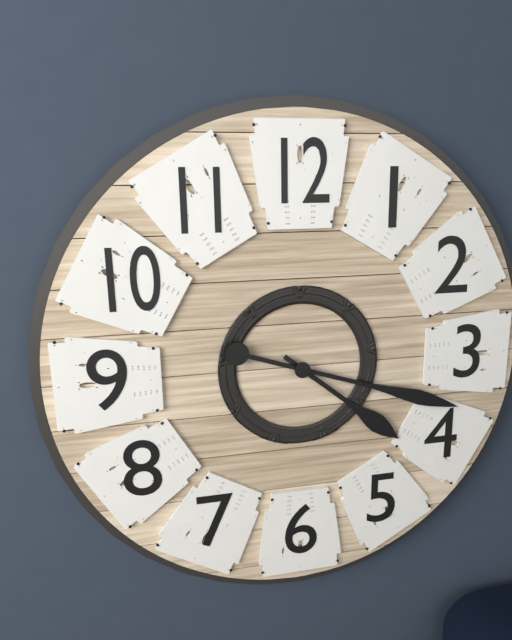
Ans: 4:18
